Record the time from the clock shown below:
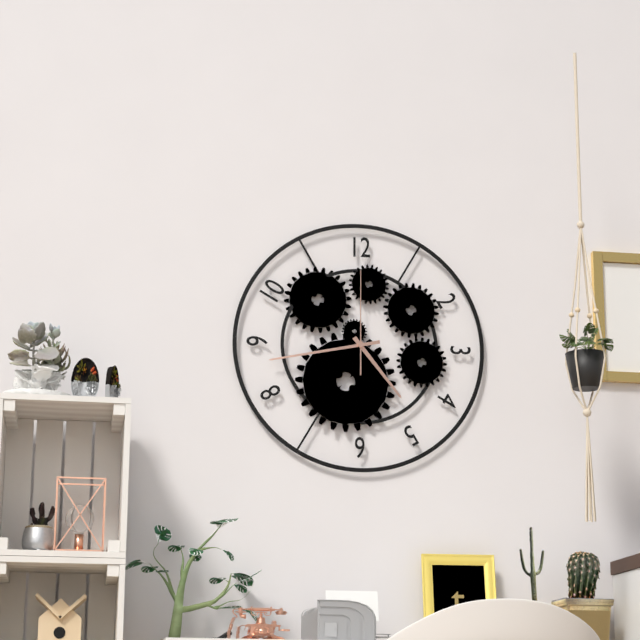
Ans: 4:43:00
